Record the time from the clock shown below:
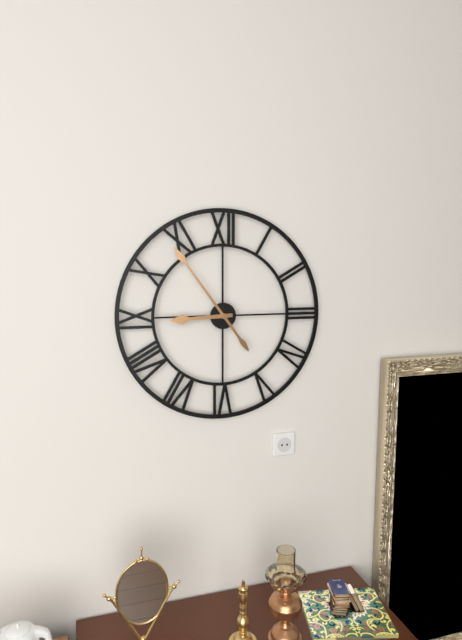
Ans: 8:54
